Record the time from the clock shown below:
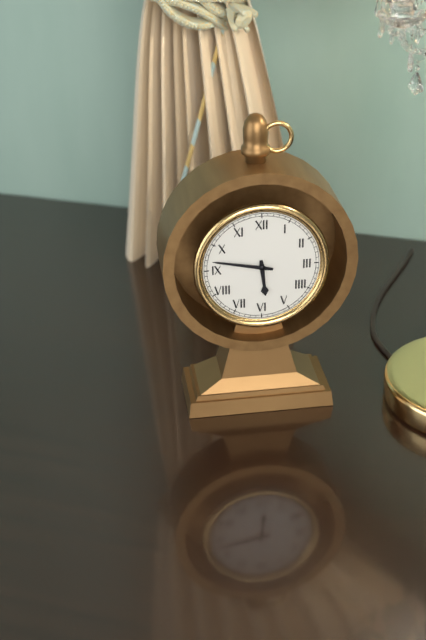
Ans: 5:47
